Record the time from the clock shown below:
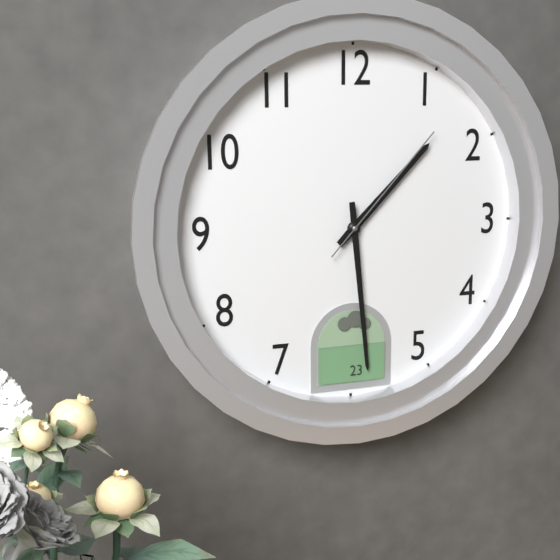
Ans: 1:29:07
